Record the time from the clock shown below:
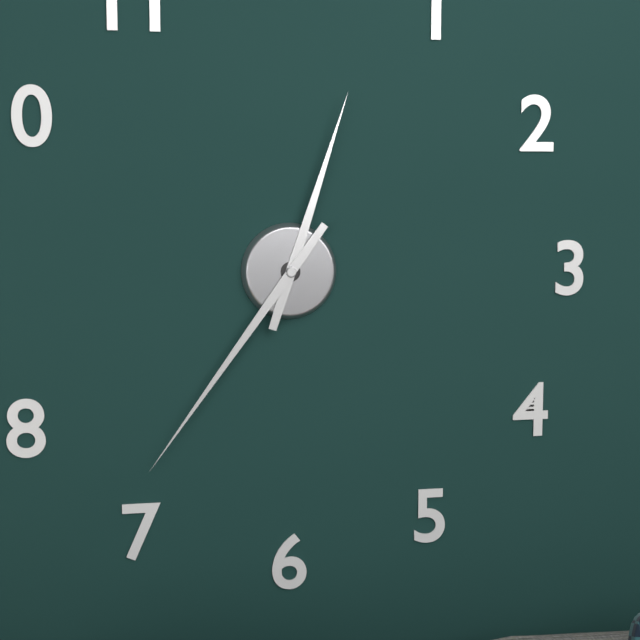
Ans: 12:36
